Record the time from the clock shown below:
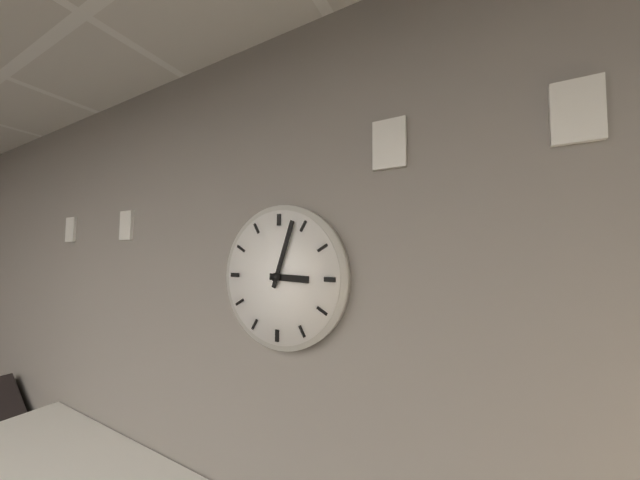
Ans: 3:03
